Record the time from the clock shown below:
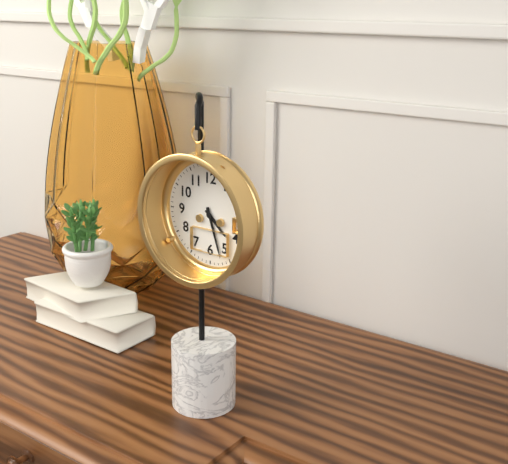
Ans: 4:27
